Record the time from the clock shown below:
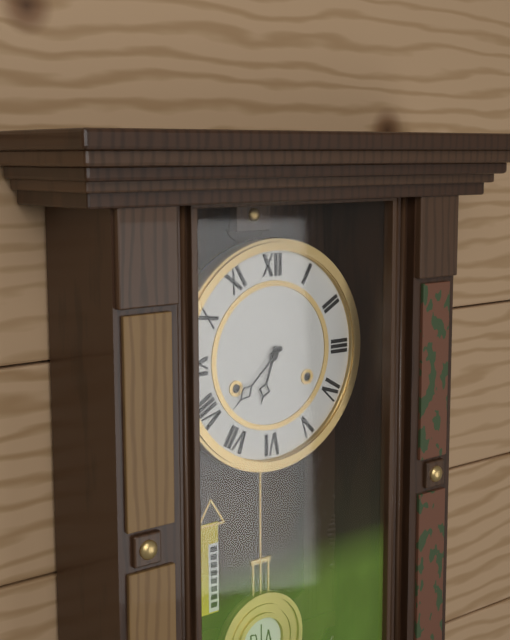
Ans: 6:38
